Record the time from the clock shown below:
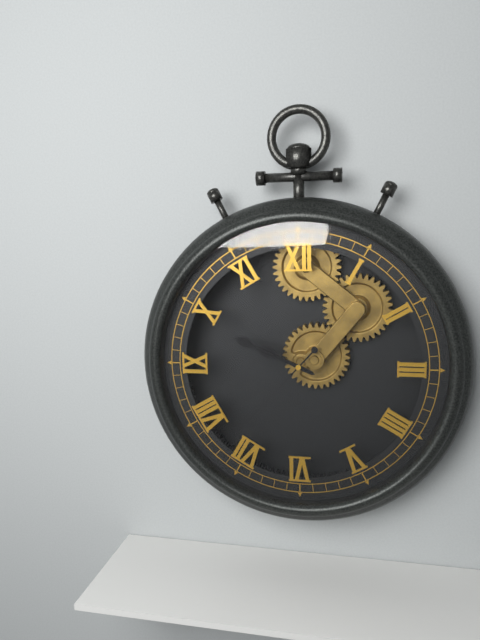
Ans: 9:49:37
